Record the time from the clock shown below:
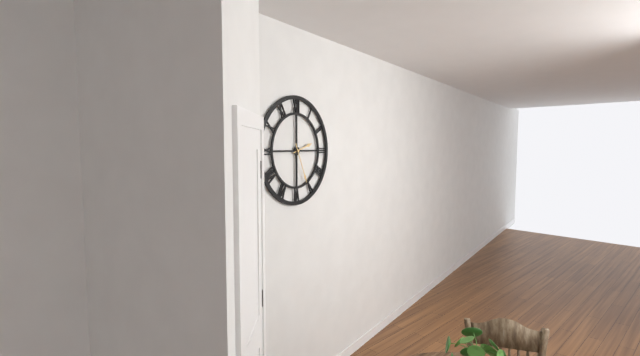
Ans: 2:26
